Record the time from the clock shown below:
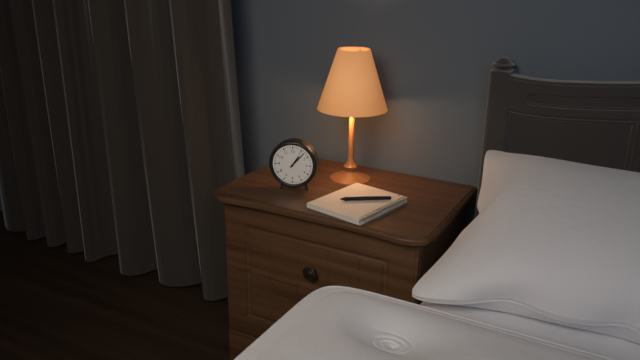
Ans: 1:07
